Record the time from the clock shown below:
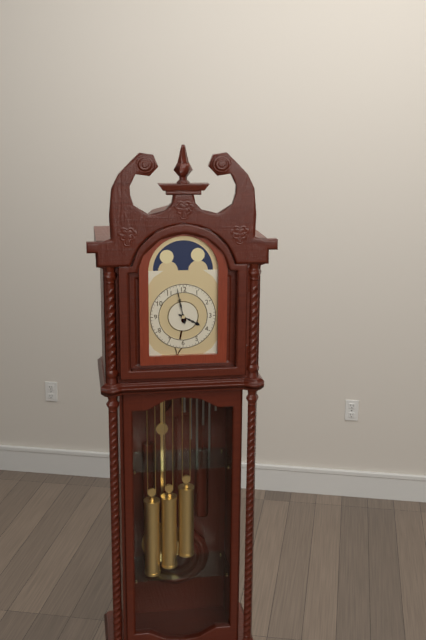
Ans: 3:58
